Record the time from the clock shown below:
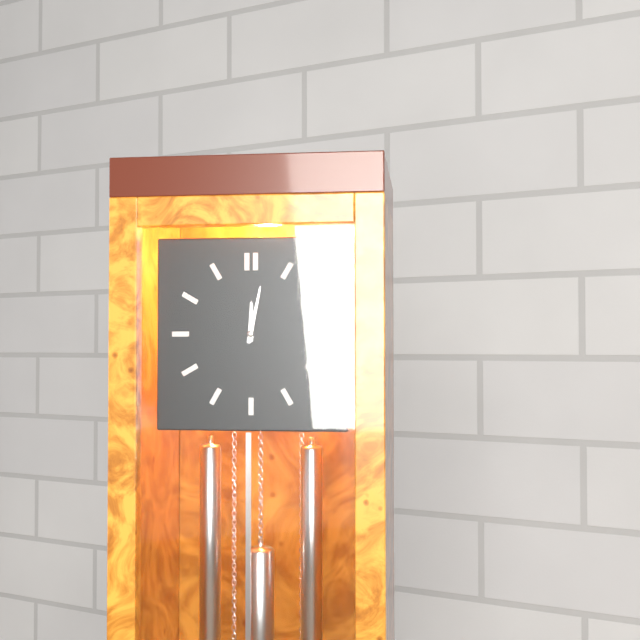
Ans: 12:02
